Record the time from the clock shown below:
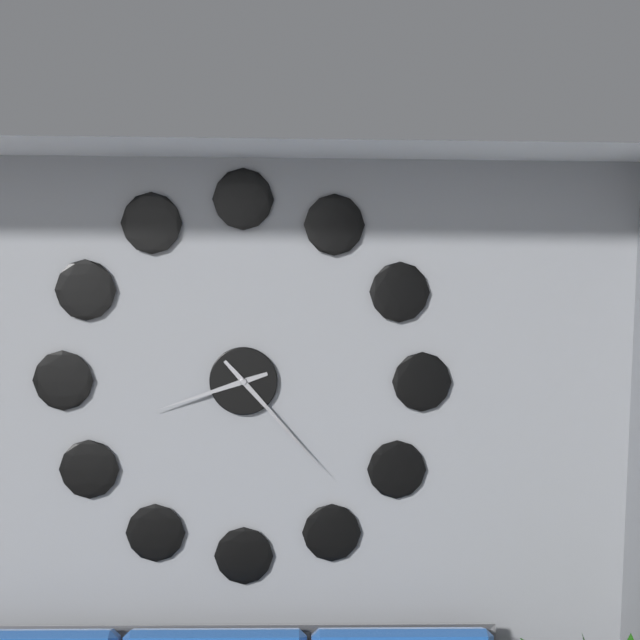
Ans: 8:23
